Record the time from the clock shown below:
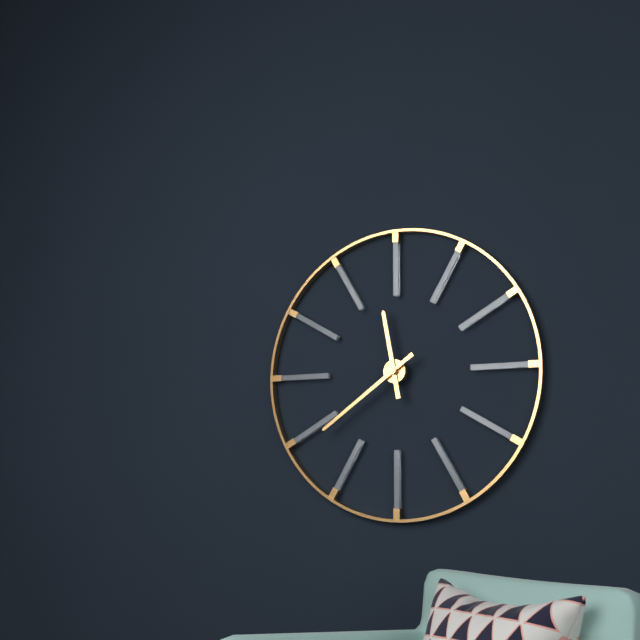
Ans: 11:39
